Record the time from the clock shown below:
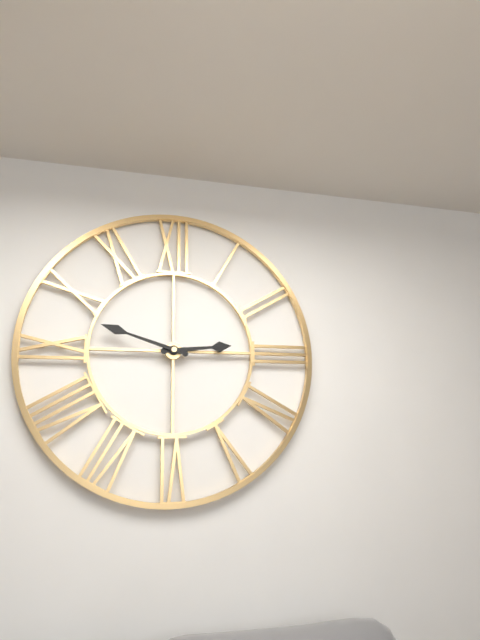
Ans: 2:48
